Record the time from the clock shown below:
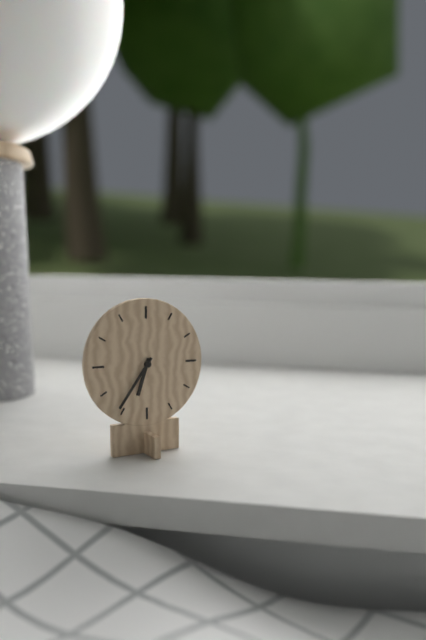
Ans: 6:36
